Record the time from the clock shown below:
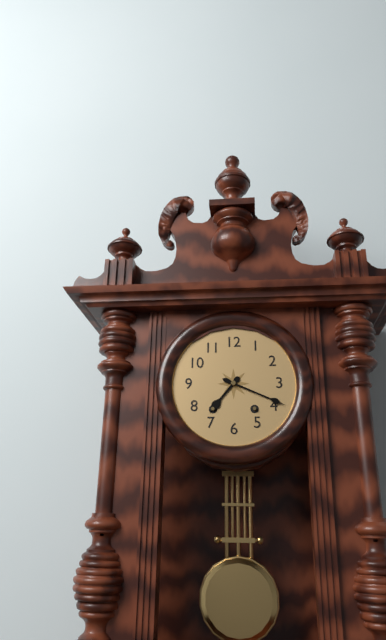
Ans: 7:19
